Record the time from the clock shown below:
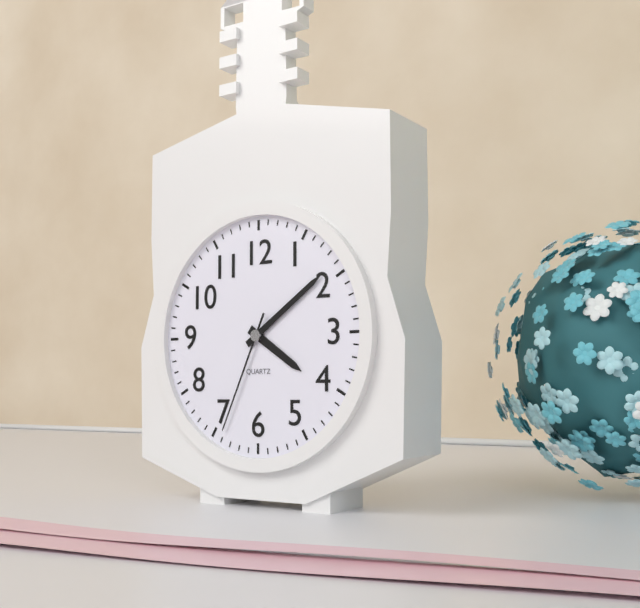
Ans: 4:09:34
